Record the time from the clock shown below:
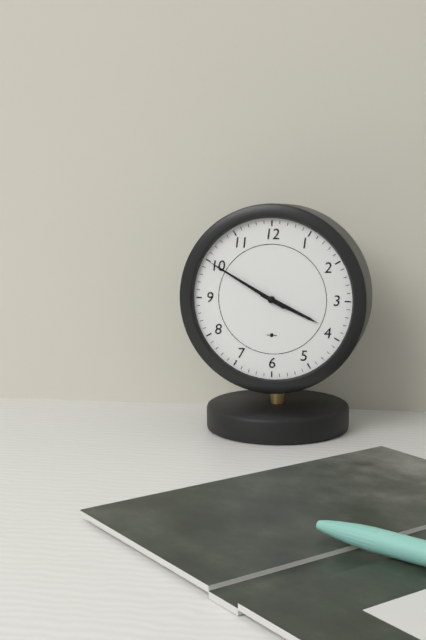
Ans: 3:50
